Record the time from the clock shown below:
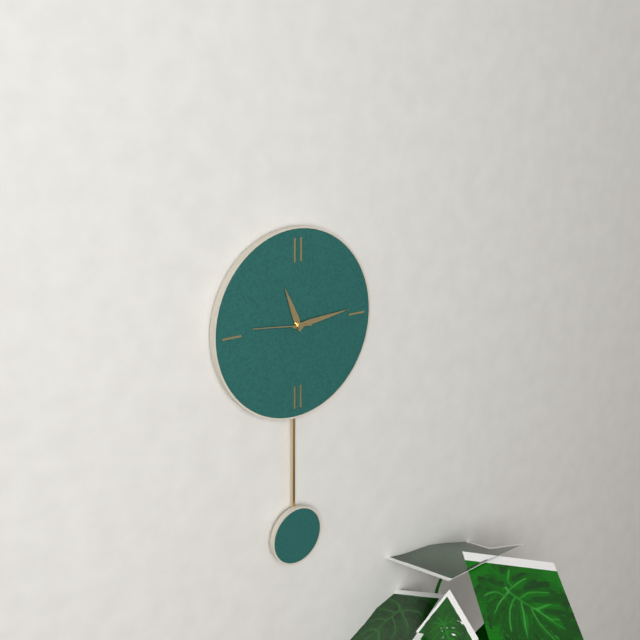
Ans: 11:14
